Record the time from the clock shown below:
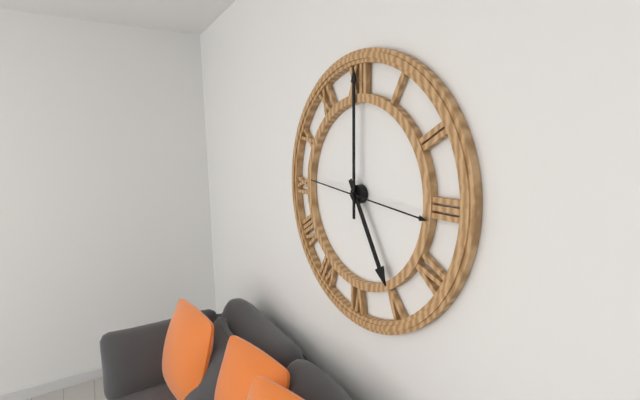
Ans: 5:00:16
